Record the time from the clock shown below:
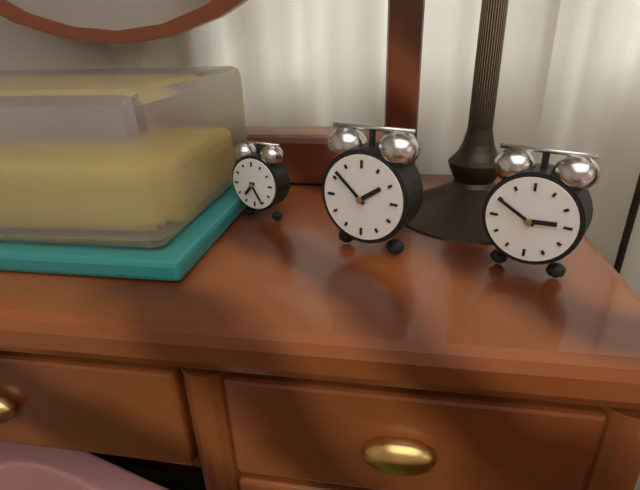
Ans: 1:52
